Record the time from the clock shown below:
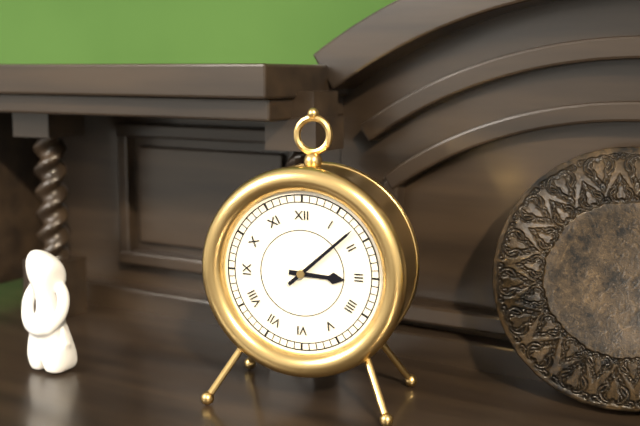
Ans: 3:08
